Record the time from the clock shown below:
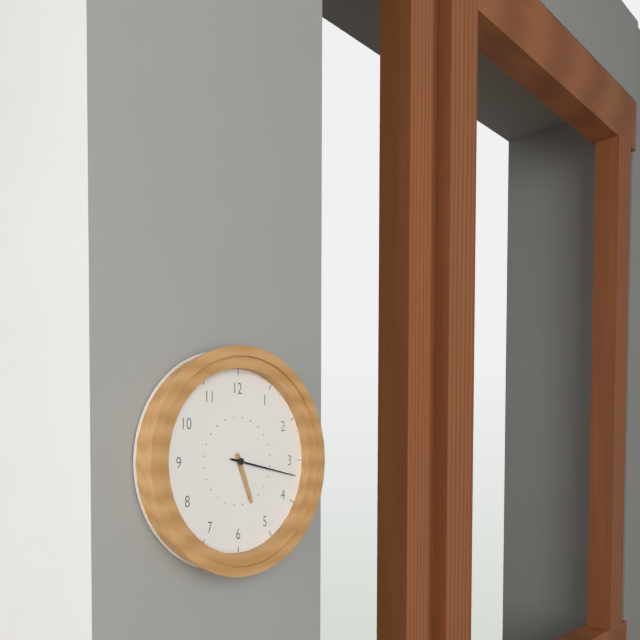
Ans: 5:17
